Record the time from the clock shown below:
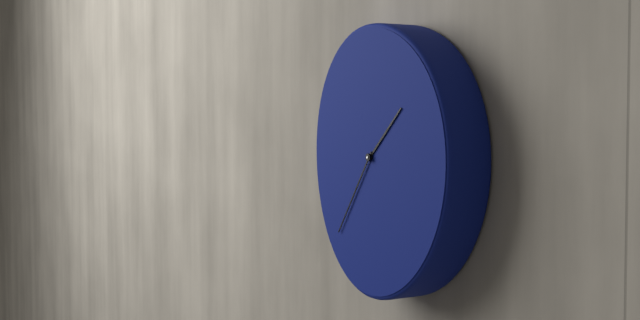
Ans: 1:36
